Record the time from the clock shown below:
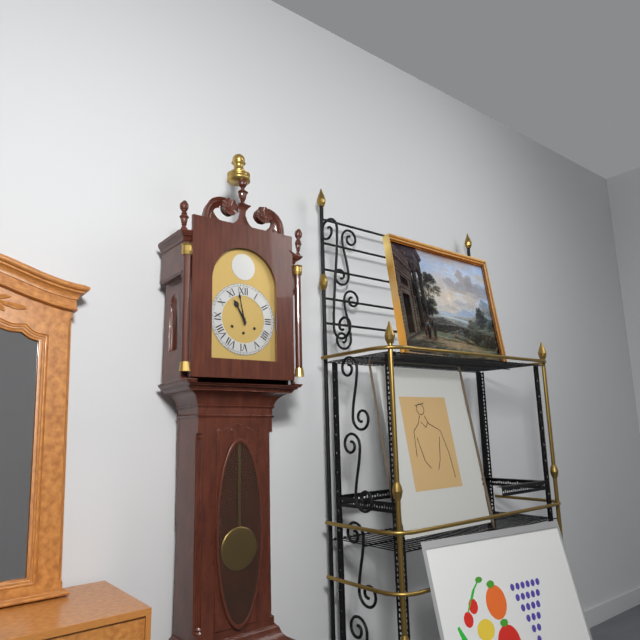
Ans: 10:58
